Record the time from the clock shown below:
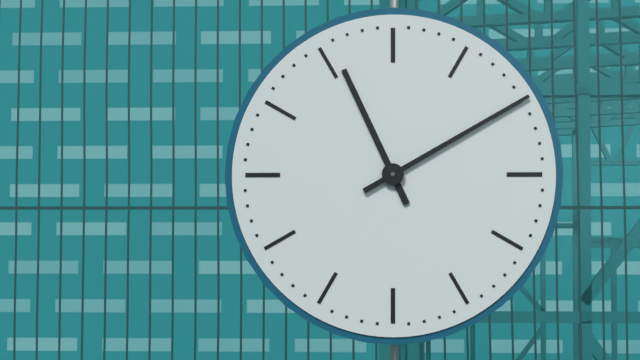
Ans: 11:10
